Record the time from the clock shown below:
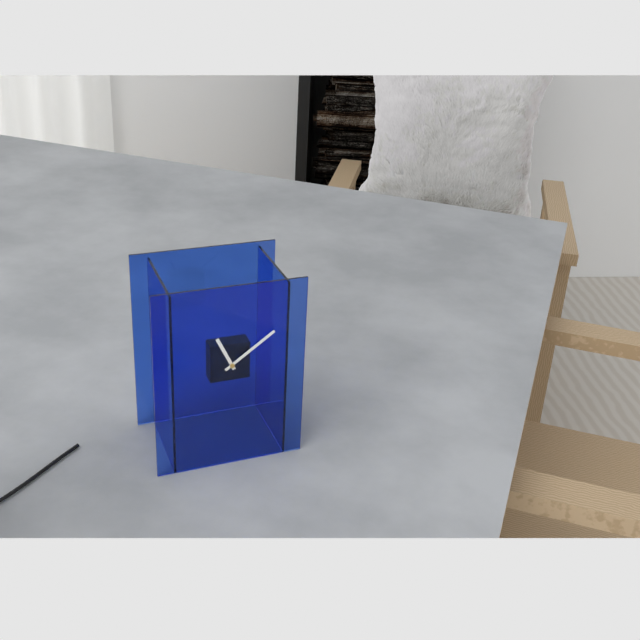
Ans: 11:09
